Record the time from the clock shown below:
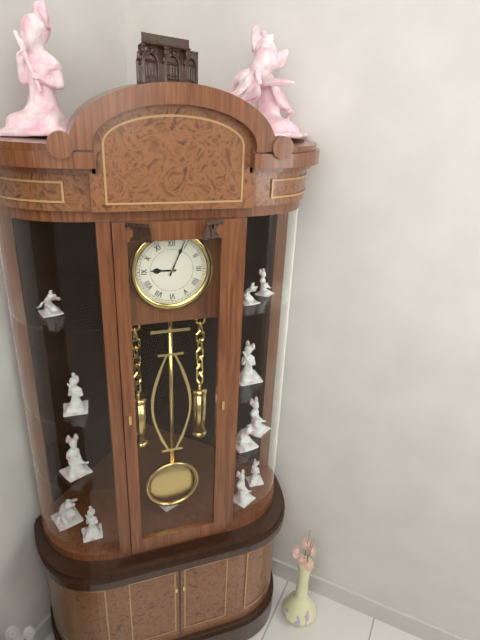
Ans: 9:04
